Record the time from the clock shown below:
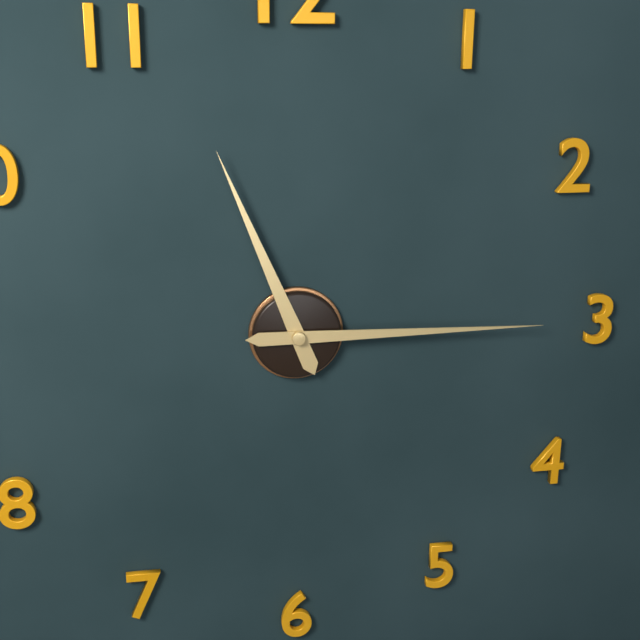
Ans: 11:15
